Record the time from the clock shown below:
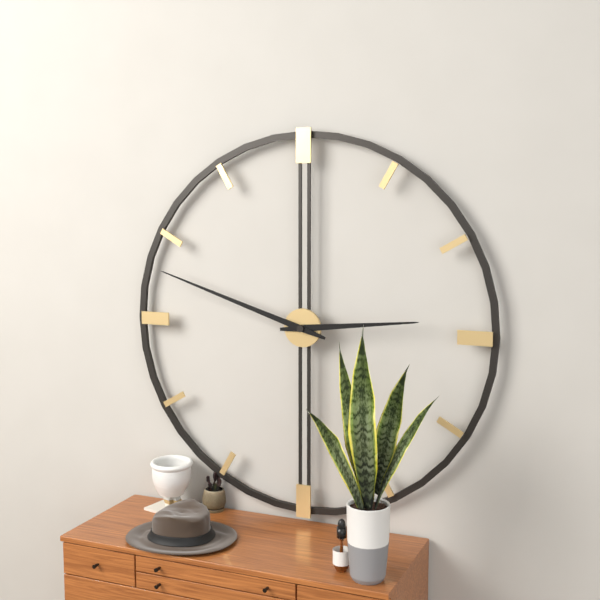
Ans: 2:48
